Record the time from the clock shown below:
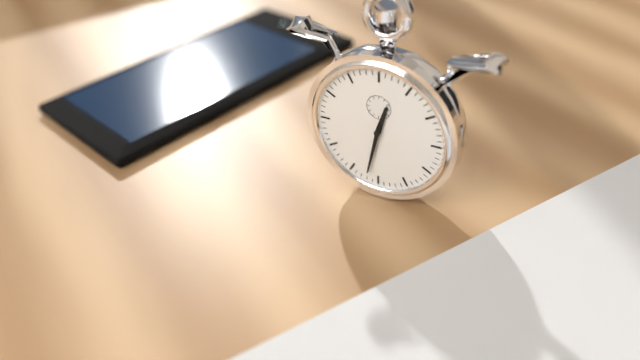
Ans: 12:32
